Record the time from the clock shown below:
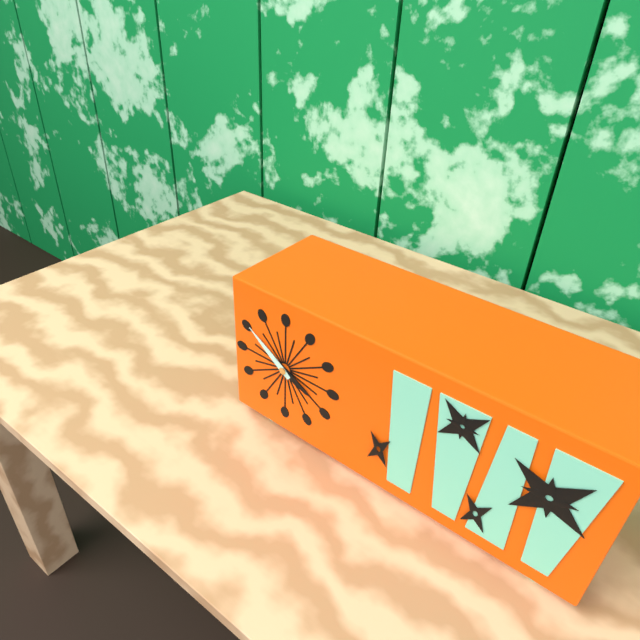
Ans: 3:51
